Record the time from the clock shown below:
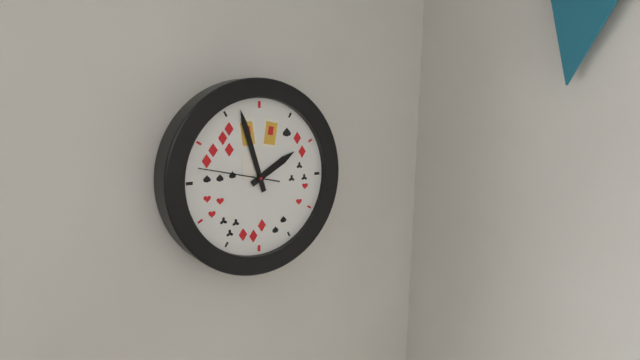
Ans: 1:57:47
